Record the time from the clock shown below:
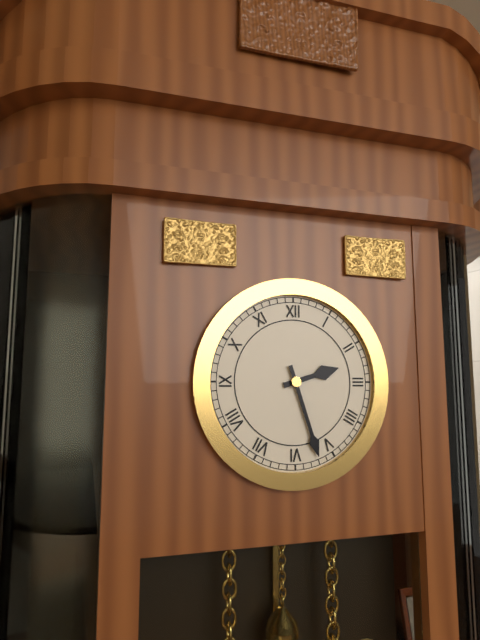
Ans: 2:27
